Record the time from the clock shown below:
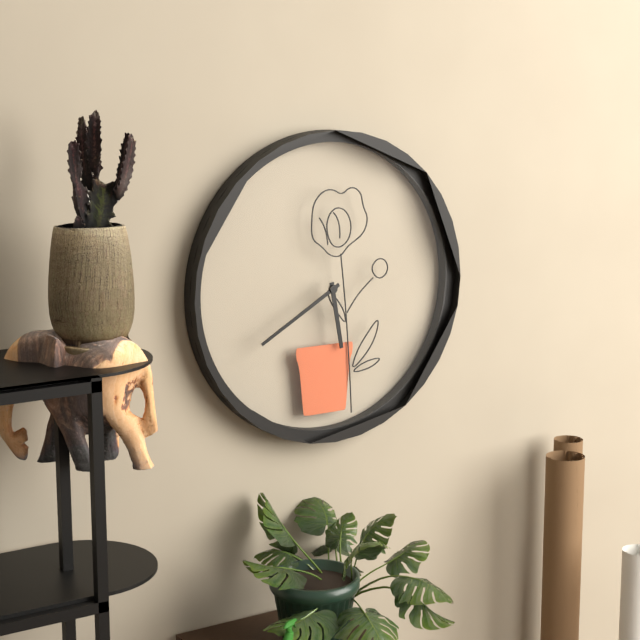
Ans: 5:40
